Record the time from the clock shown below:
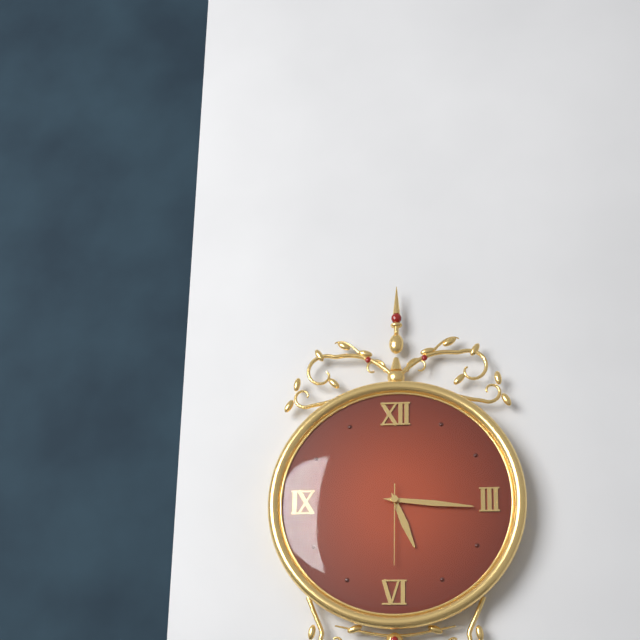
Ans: 5:16:30
